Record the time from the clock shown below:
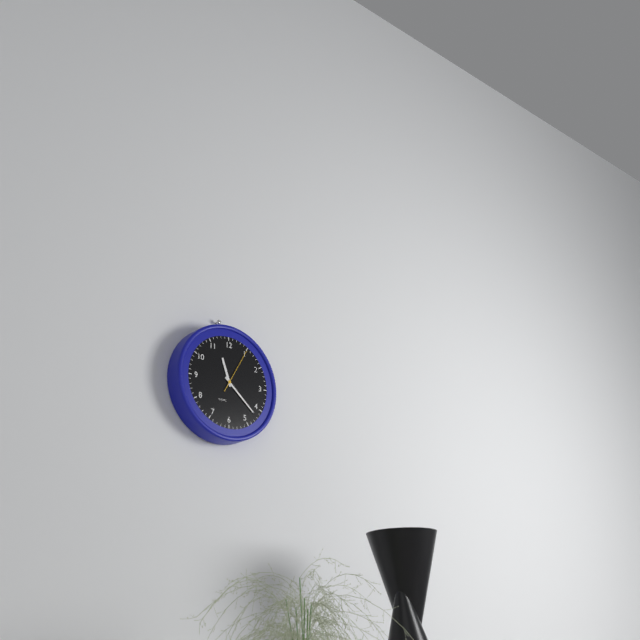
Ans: 11:22
